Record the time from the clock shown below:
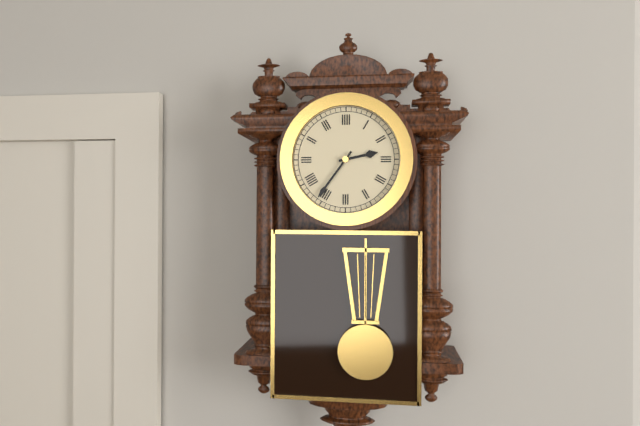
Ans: 2:36
